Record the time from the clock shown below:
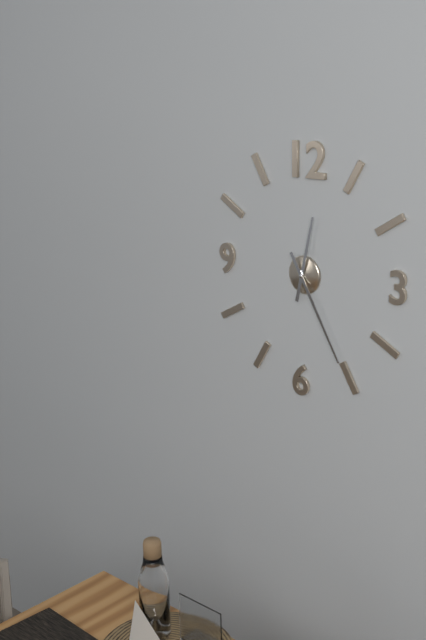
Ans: 12:25
